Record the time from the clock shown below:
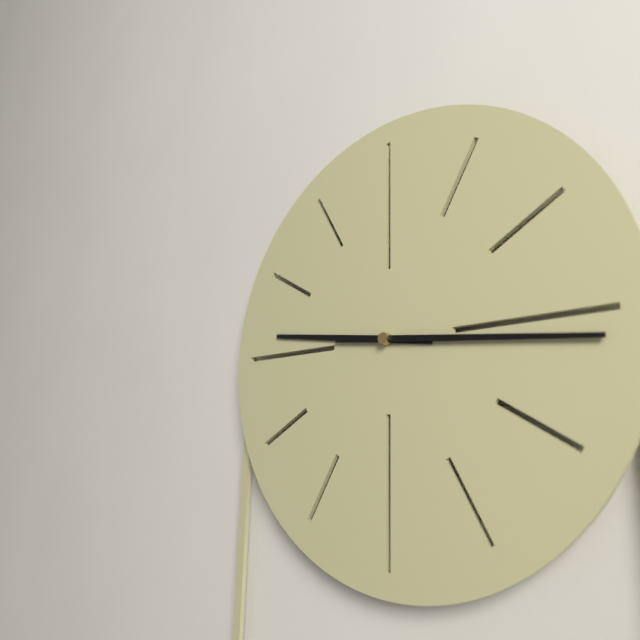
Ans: 9:16
